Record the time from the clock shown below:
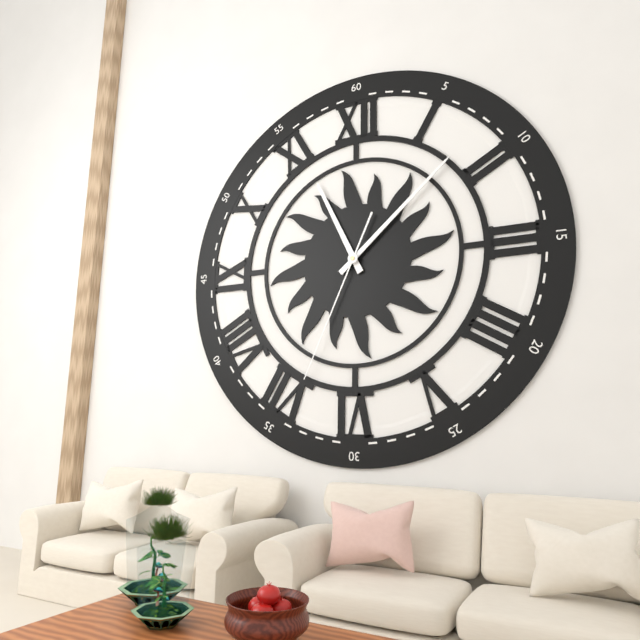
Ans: 11:08:34
